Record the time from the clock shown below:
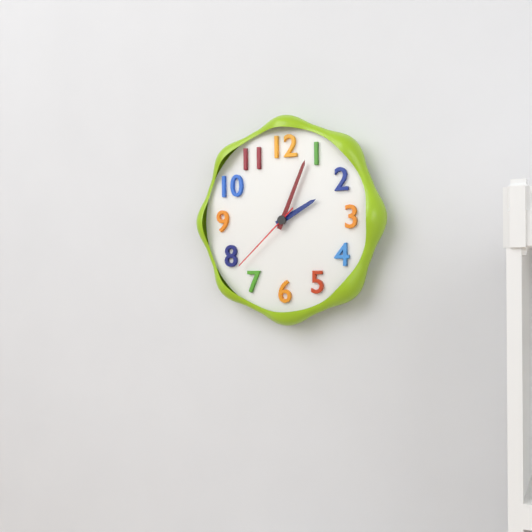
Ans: 2:04:38
